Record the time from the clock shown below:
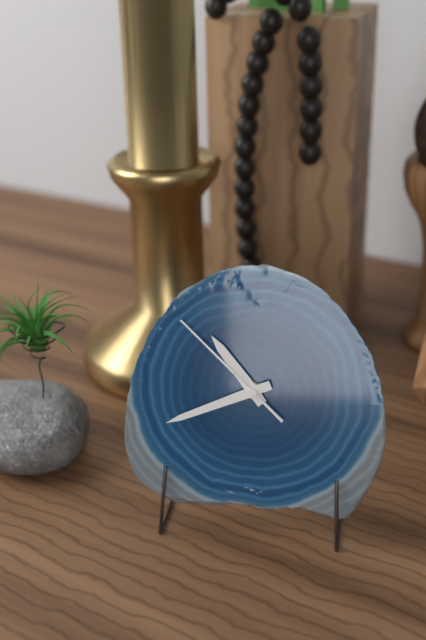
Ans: 10:41:52
